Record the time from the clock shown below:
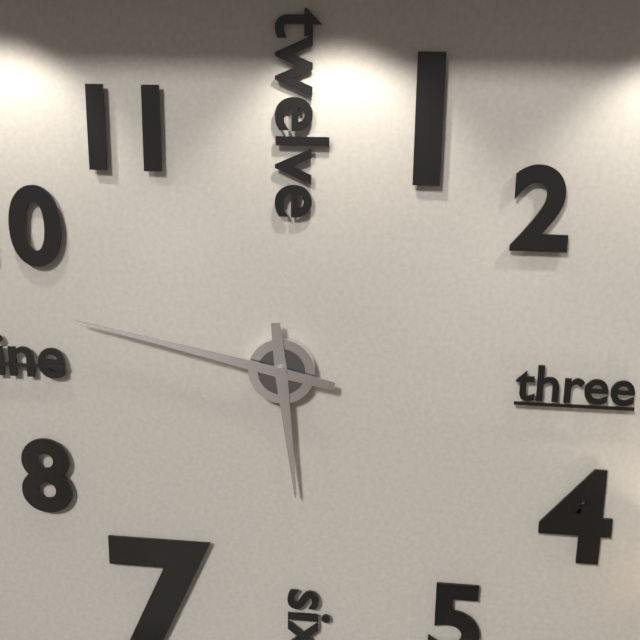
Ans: 5:47
